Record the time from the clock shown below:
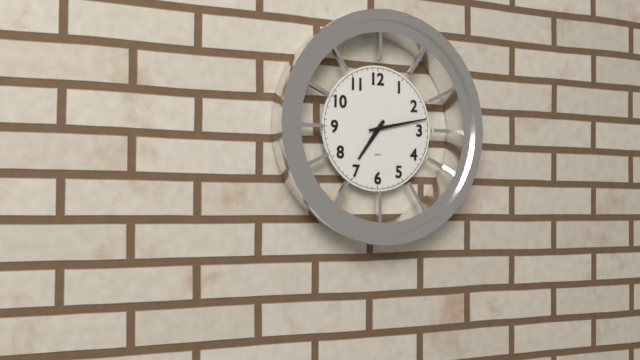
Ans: 7:13
